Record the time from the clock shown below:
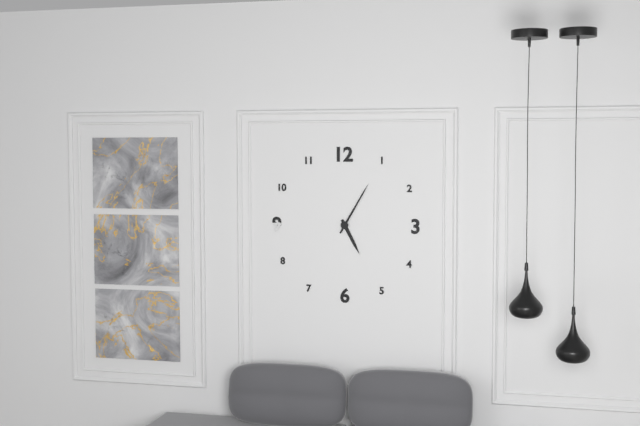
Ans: 5:05
